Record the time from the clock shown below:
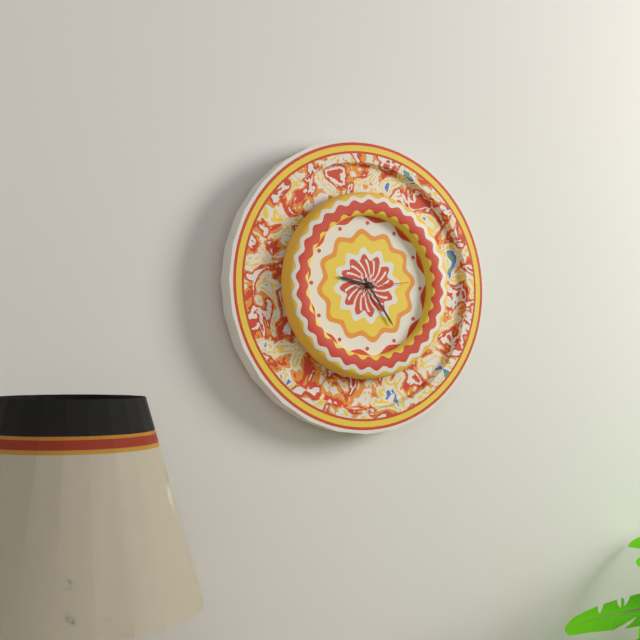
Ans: 9:24
